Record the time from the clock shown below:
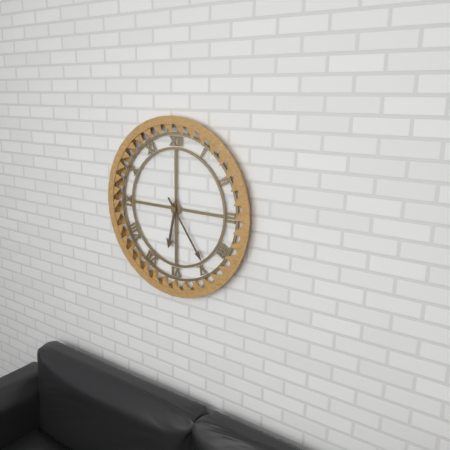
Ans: 6:24
